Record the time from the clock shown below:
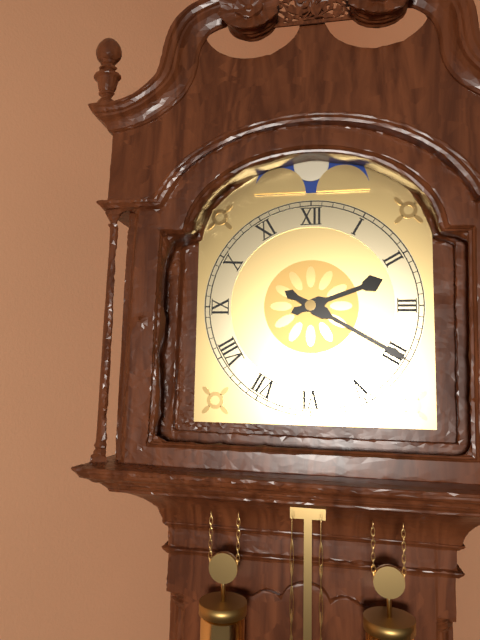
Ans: 2:20
